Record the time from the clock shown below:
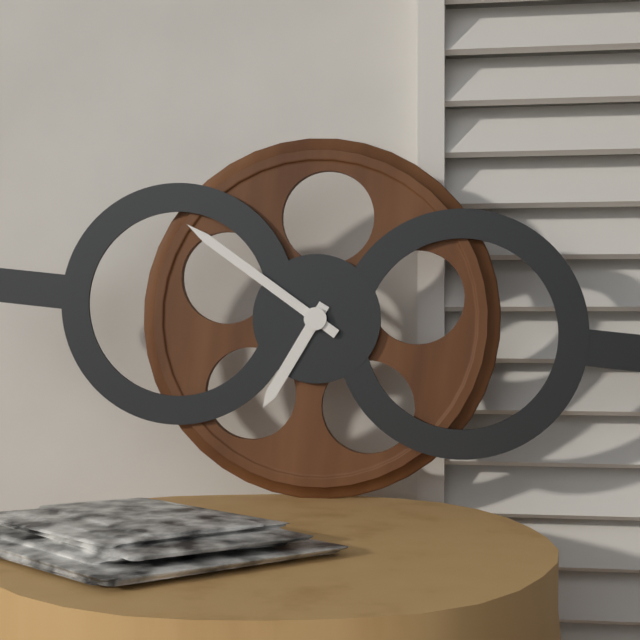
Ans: 6:50
